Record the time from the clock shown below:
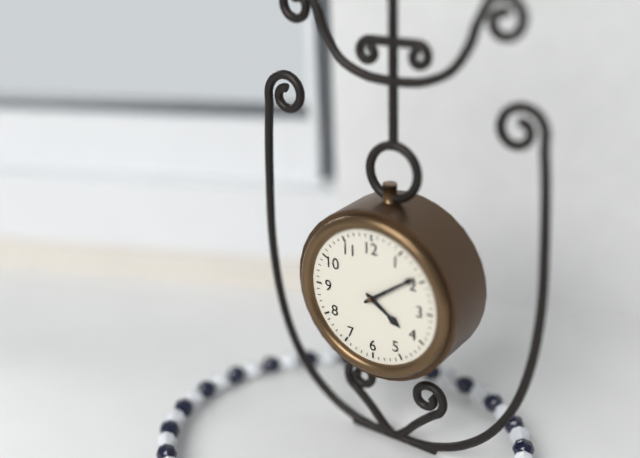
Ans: 4:09
